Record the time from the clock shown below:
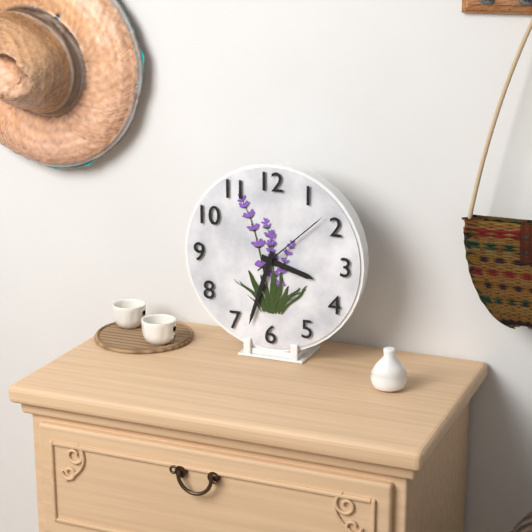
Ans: 3:33:08
